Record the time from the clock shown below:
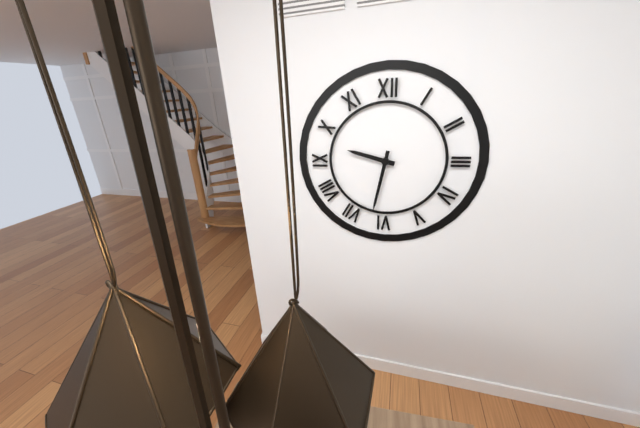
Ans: 9:32
